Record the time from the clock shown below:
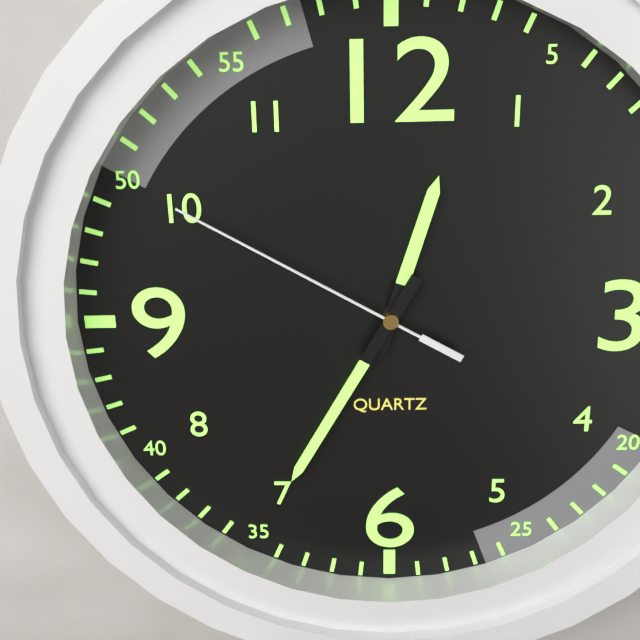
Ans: 12:35:50
